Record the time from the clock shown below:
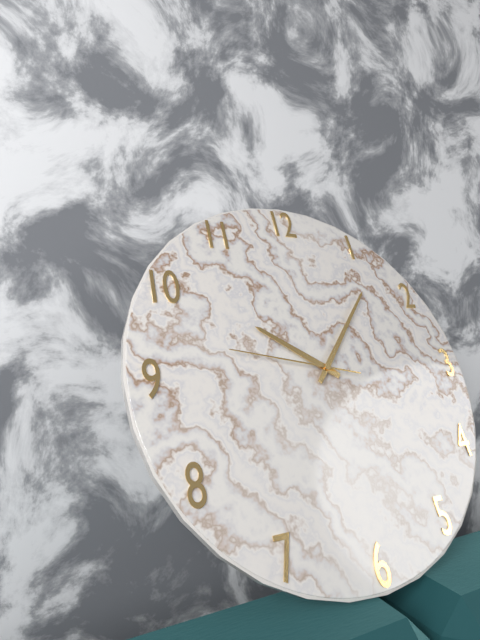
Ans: 10:07:47
